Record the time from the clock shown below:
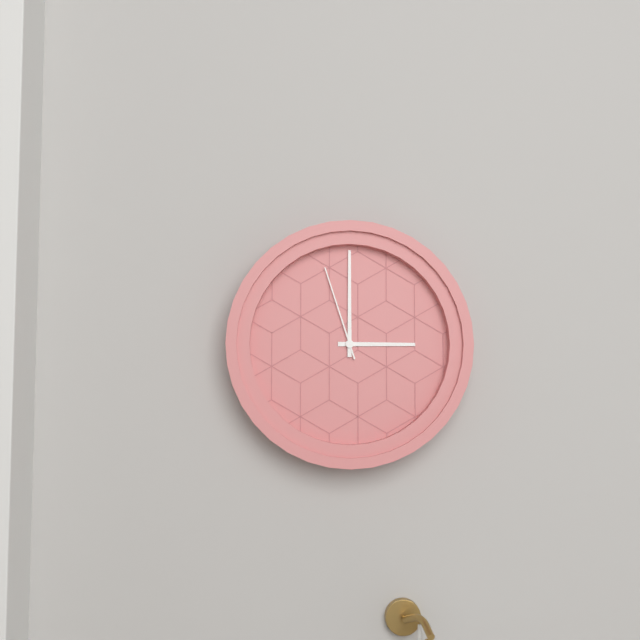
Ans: 3:00:57
